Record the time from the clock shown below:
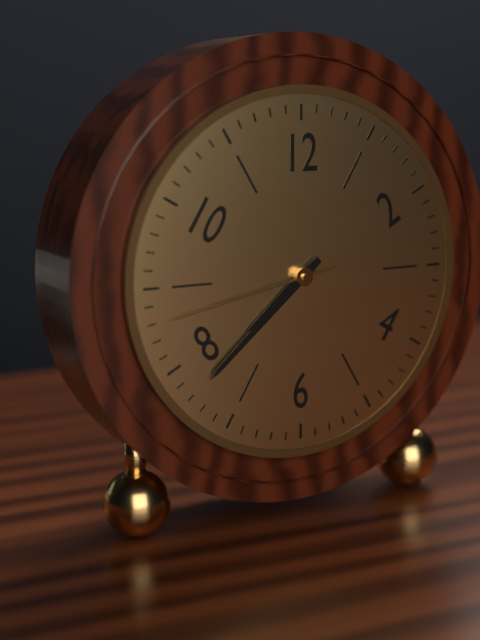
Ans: 7:38:43
